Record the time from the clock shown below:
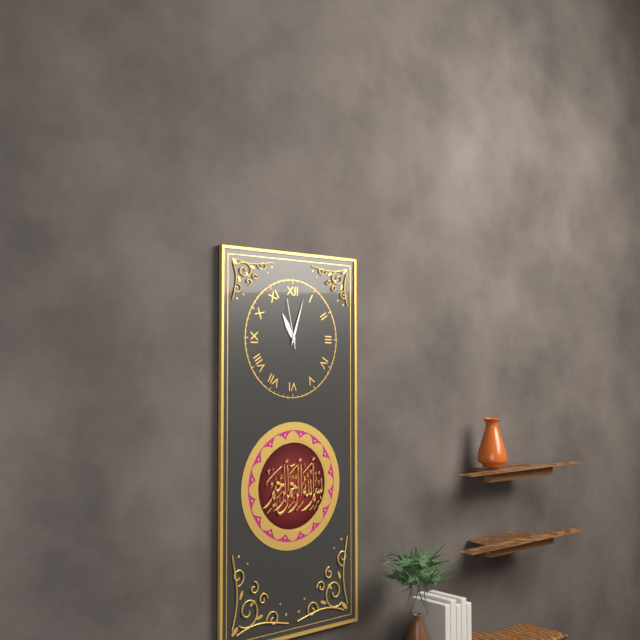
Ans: 11:03:58
